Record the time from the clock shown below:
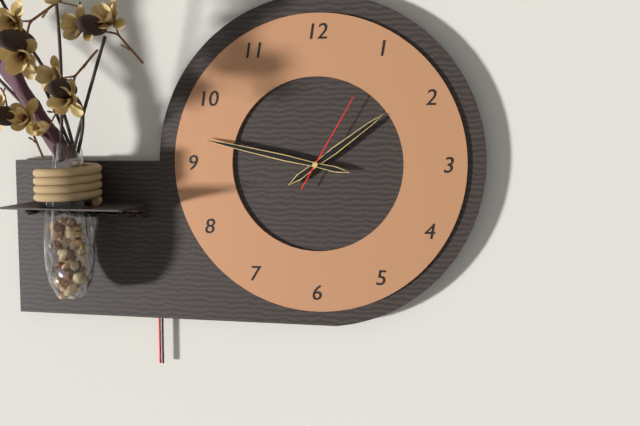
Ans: 1:47:05
